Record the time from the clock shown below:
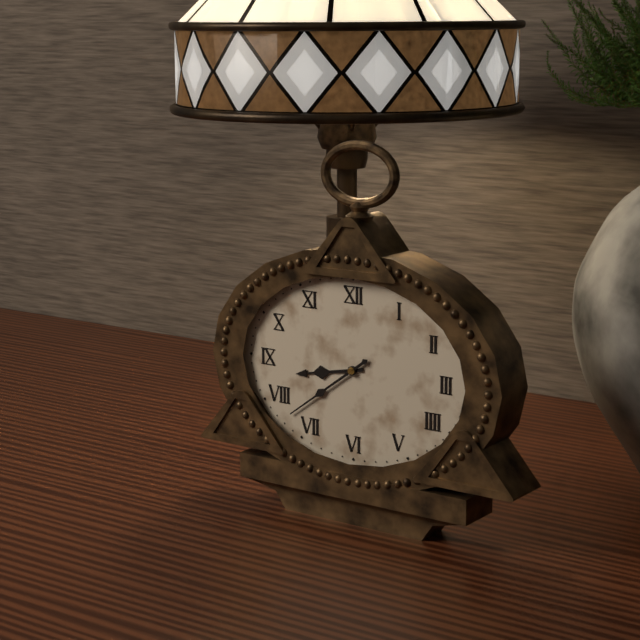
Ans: 8:39
